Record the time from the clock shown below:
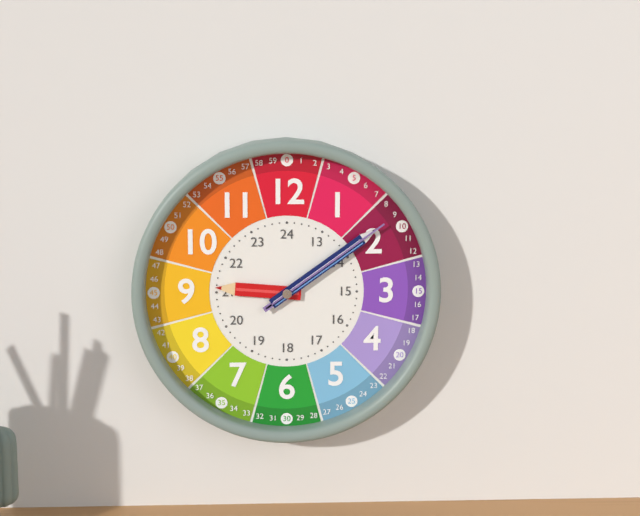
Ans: 9:09:09
